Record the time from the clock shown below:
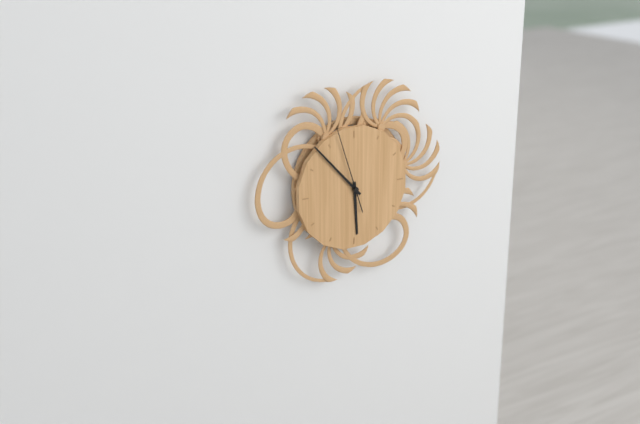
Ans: 5:53:57
